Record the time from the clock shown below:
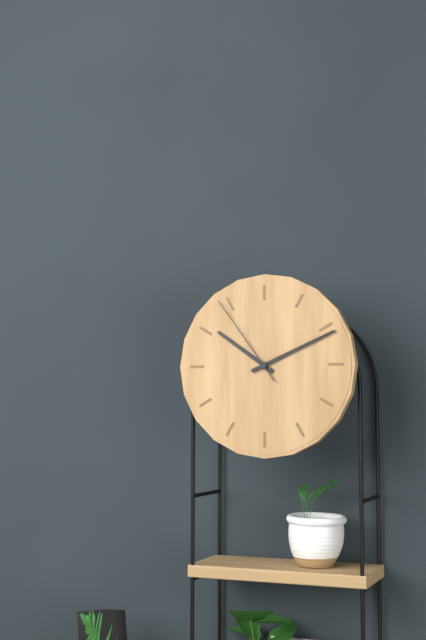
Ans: 10:11:54
